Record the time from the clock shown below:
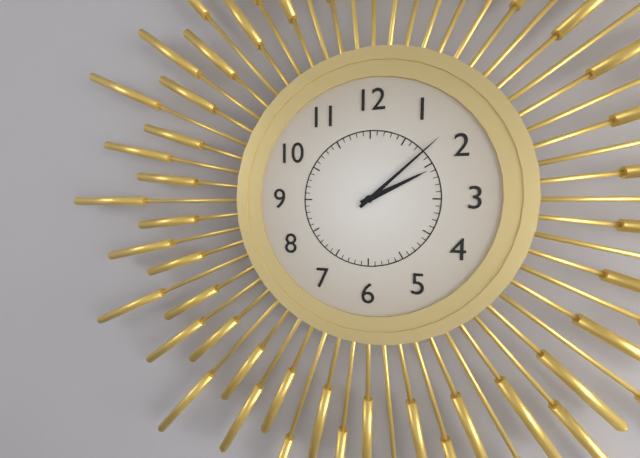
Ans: 2:08
